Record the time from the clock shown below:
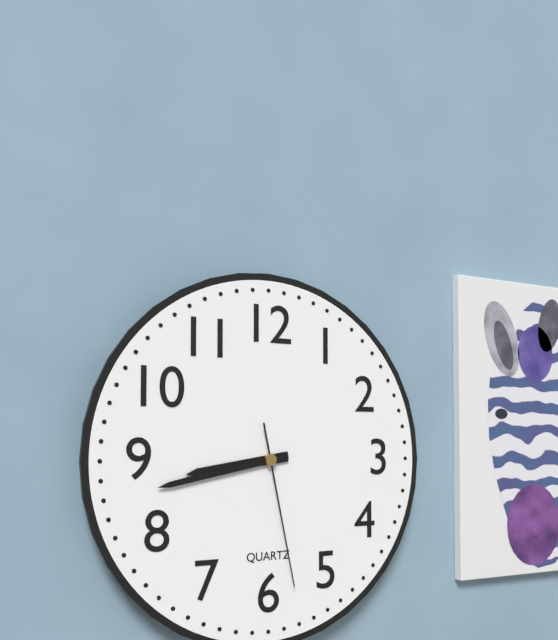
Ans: 8:43:28
